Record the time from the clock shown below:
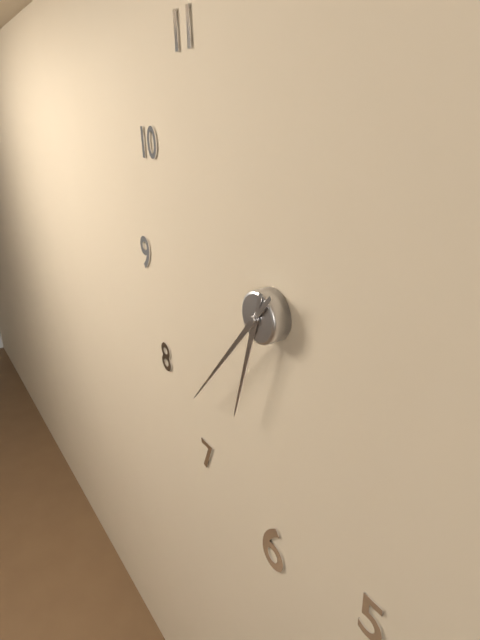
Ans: 6:37
